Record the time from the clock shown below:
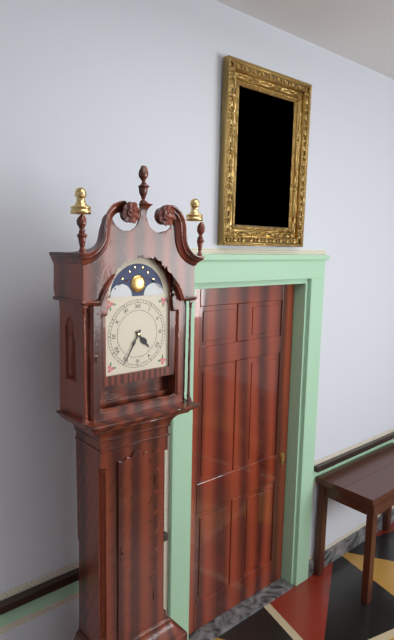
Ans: 4:35
